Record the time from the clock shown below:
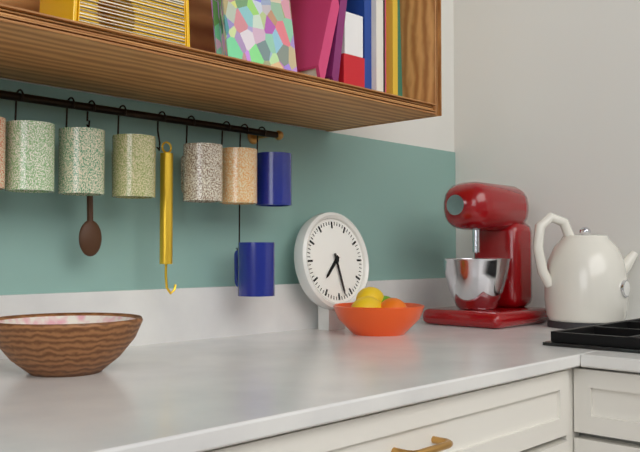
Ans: 7:28
